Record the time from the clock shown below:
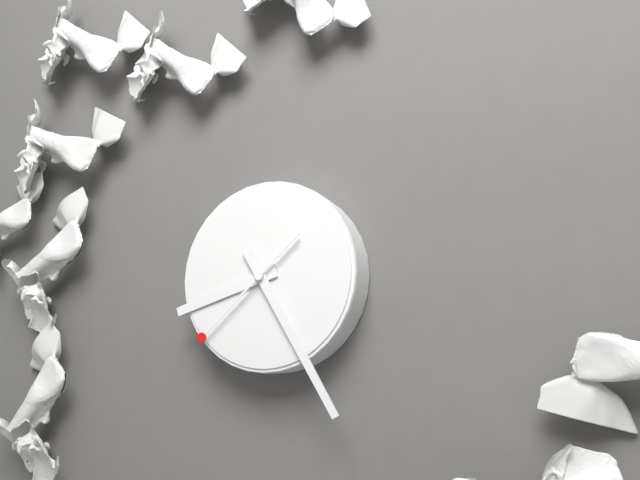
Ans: 8:25:38
